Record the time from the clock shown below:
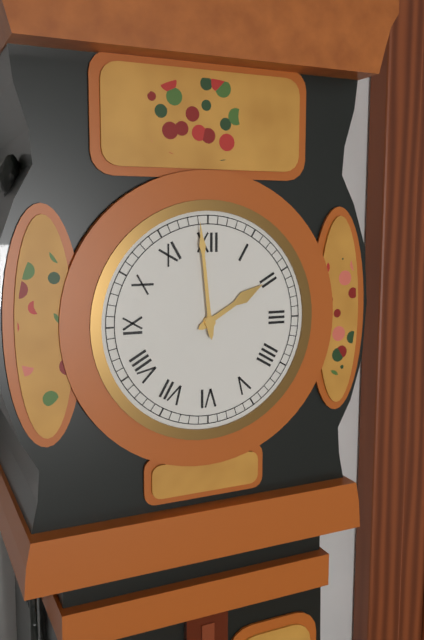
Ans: 1:59
